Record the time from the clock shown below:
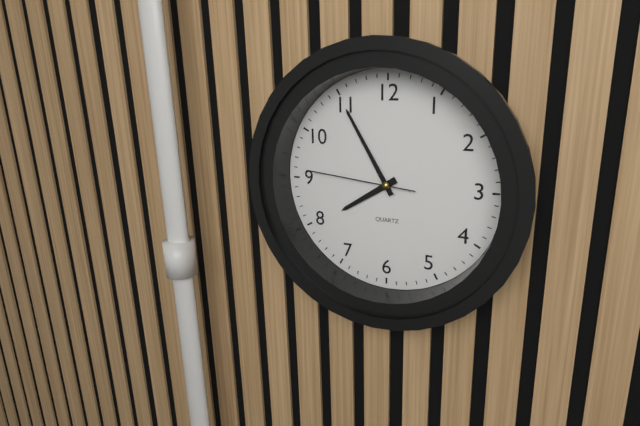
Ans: 7:55:46
